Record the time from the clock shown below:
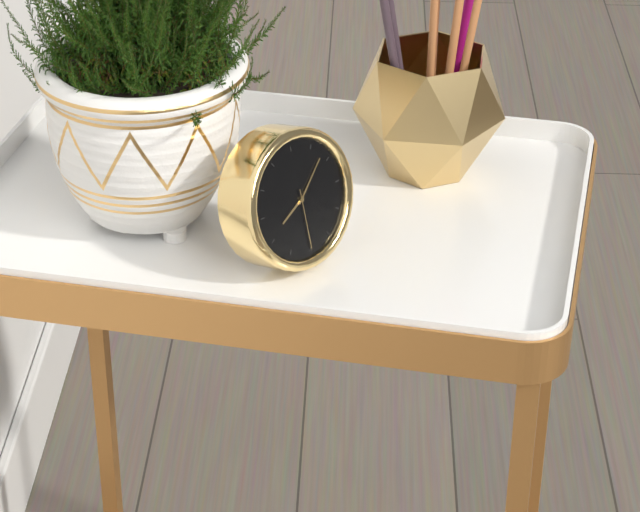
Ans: 8:08:30
